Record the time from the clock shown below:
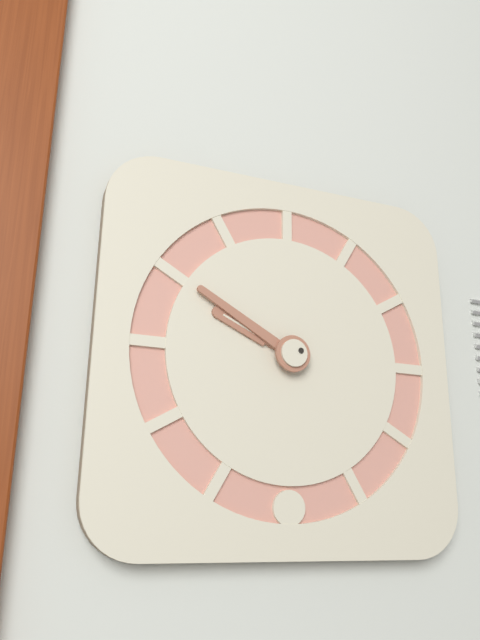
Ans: 9:50
